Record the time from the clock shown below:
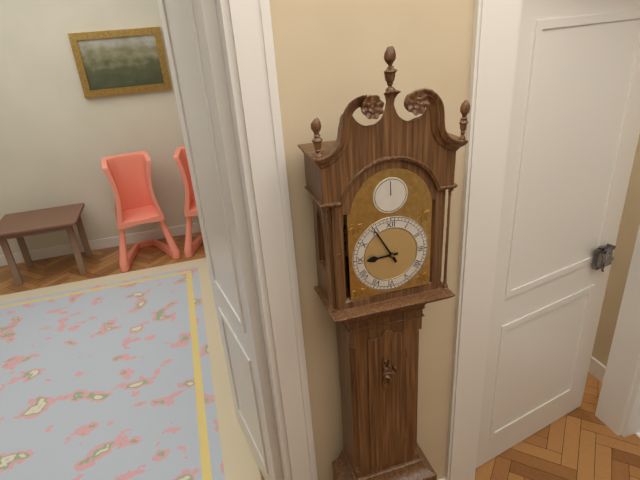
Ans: 8:55
